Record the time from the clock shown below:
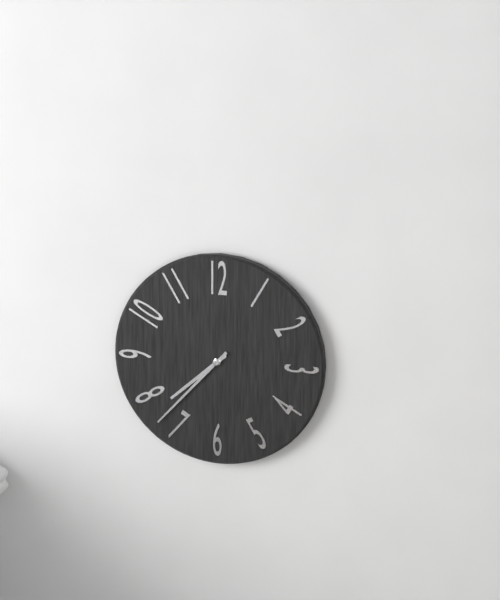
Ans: 7:37
